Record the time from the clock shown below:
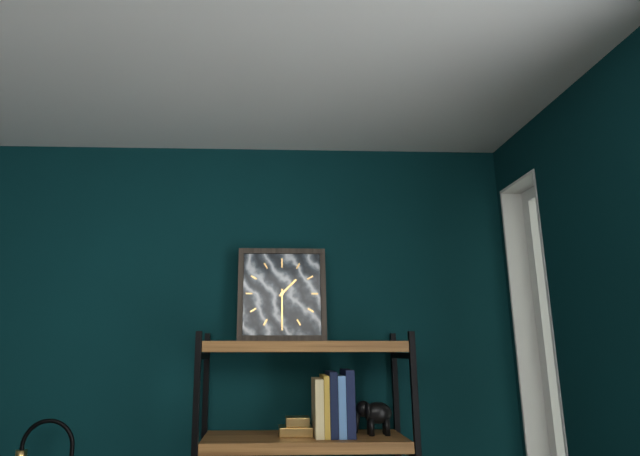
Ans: 1:30
